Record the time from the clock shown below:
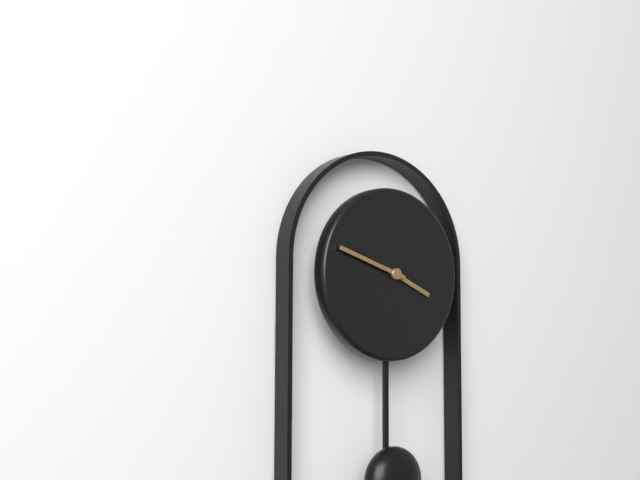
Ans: 3:48
